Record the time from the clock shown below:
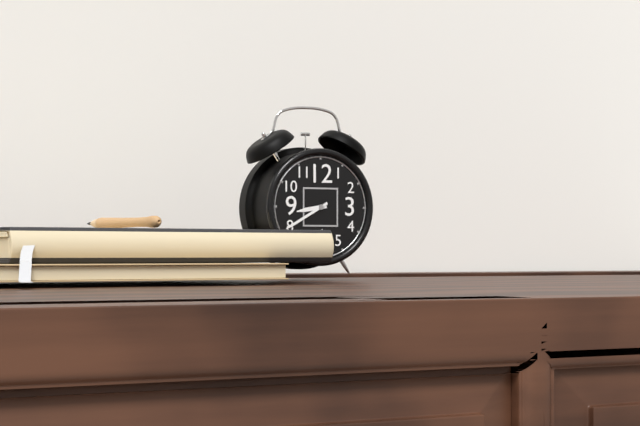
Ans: 8:40
